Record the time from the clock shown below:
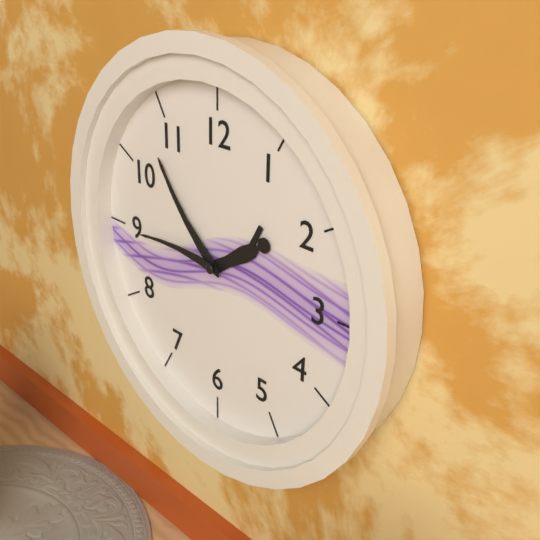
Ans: 1:53:45
